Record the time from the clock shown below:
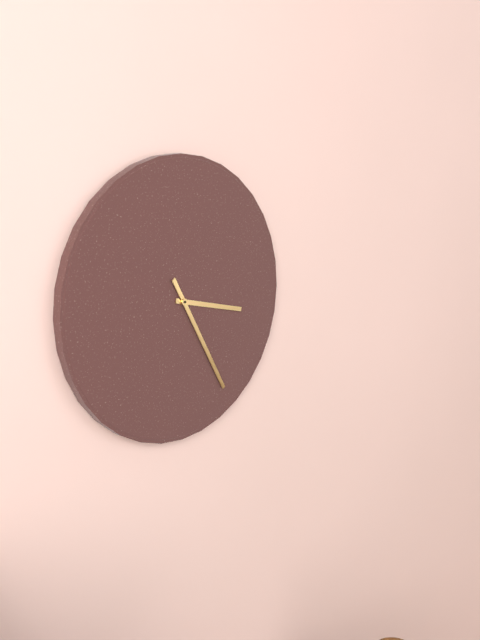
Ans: 3:25
